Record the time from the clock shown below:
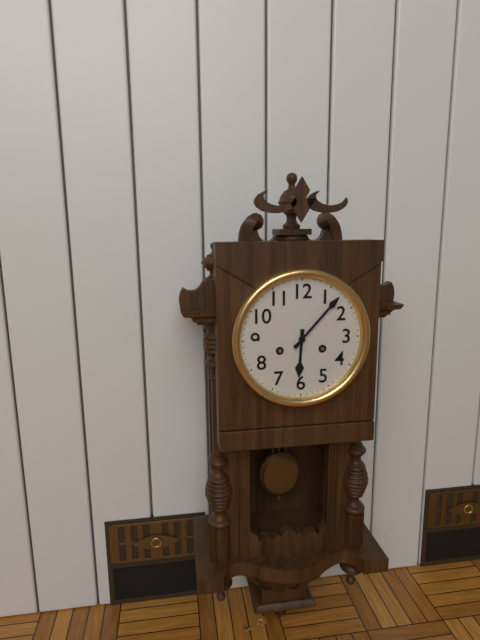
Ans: 6:07
